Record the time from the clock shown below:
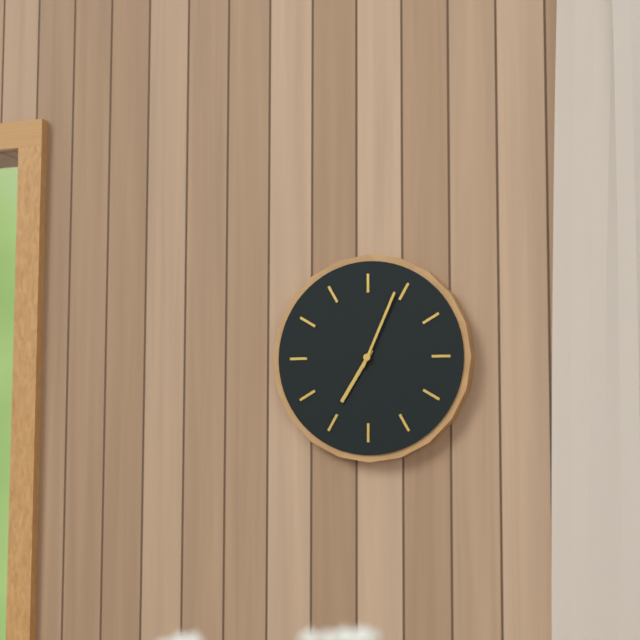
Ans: 7:04
